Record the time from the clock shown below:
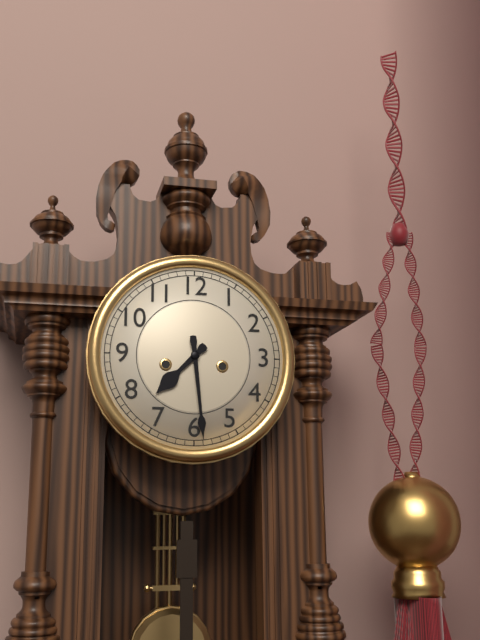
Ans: 7:29
